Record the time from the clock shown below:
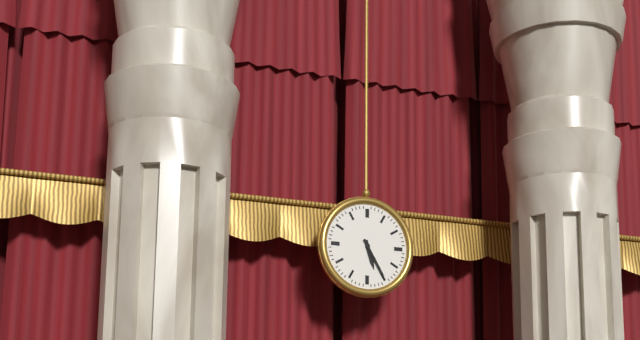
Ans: 5:25
